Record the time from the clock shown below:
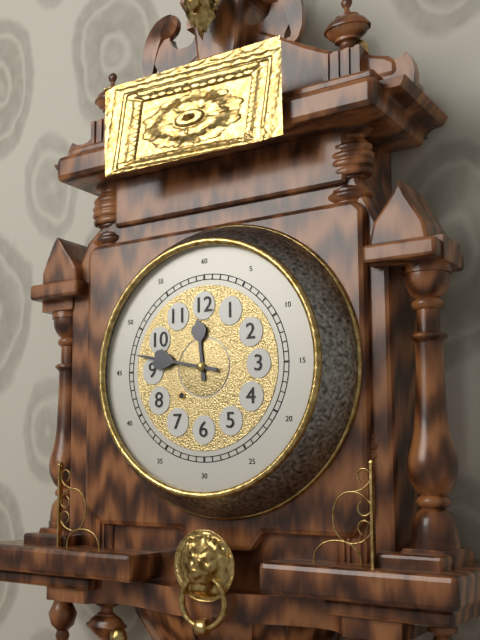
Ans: 11:47
